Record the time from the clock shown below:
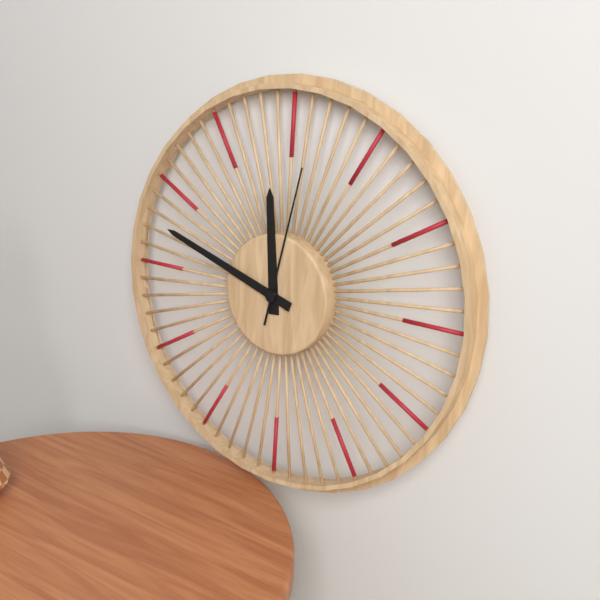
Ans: 11:48:02
